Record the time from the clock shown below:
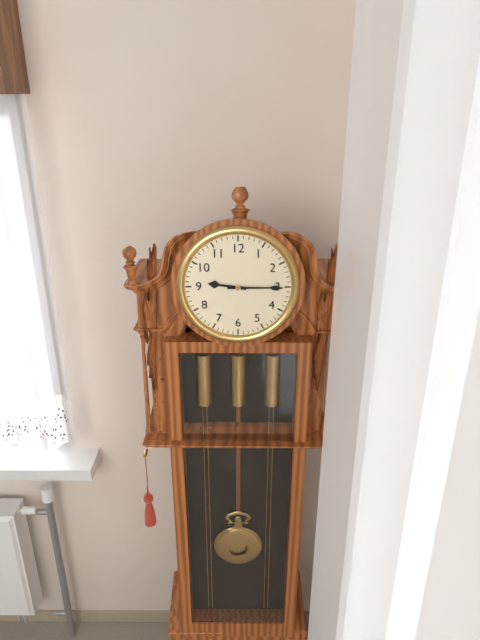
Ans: 9:15
